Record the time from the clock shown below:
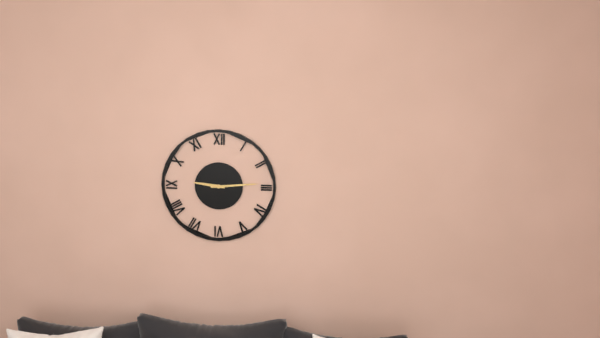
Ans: 9:14
